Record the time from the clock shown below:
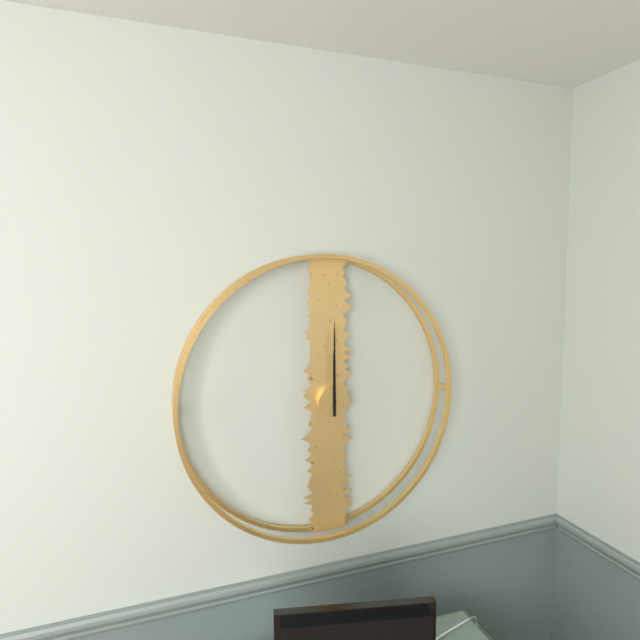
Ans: 12:00
